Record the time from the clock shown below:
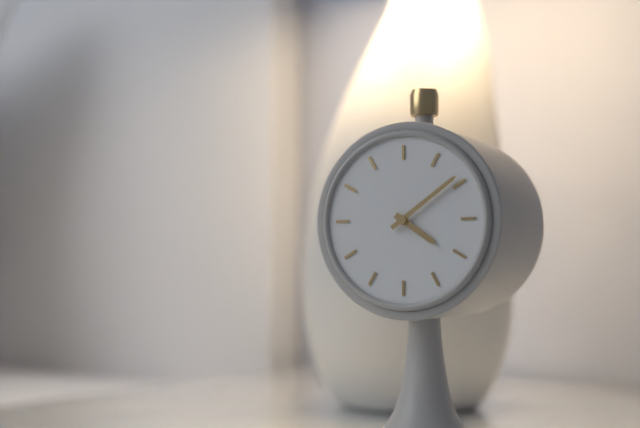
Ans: 4:09
